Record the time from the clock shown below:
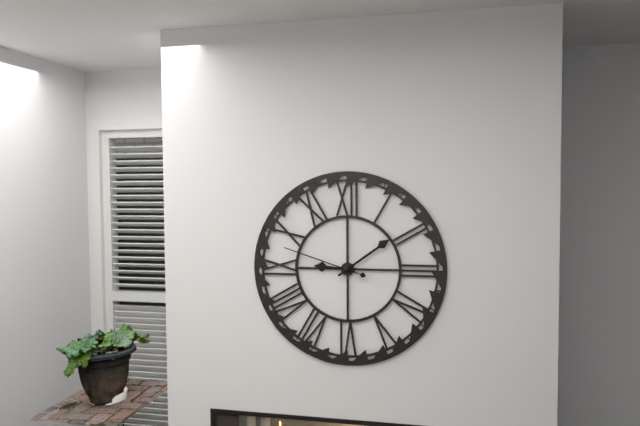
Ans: 9:09:48
